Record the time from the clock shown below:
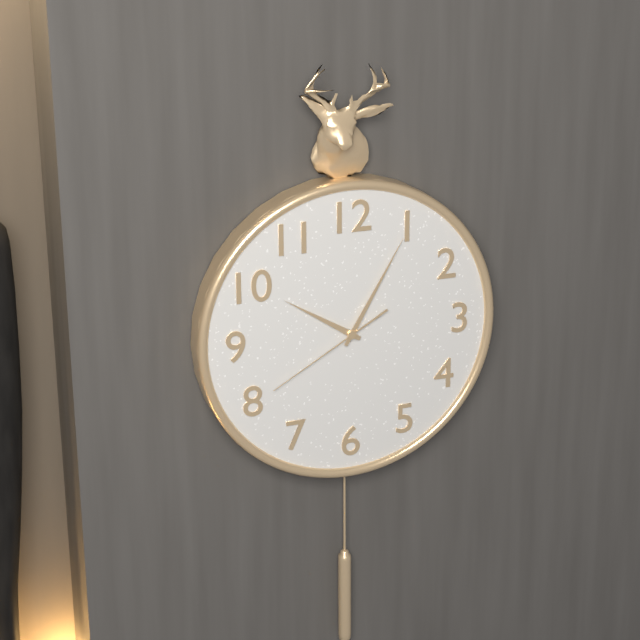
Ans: 10:05:40
